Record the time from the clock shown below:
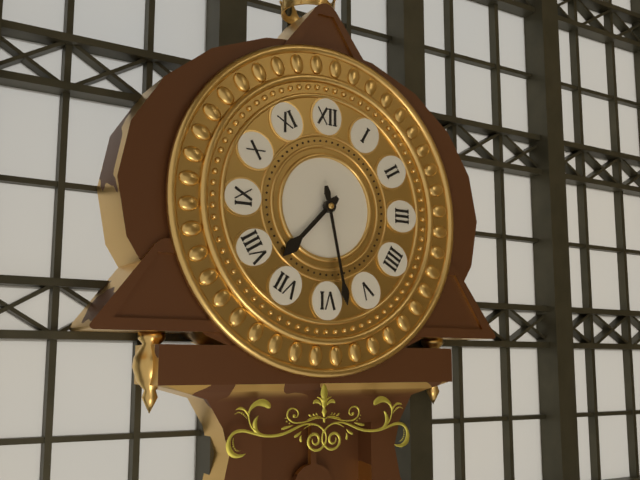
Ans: 7:28
